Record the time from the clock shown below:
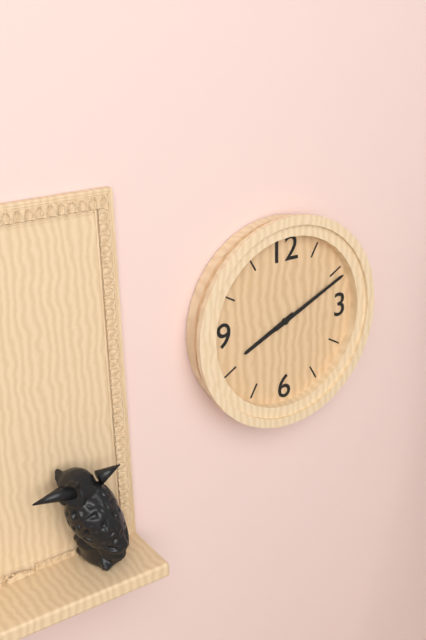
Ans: 8:11
